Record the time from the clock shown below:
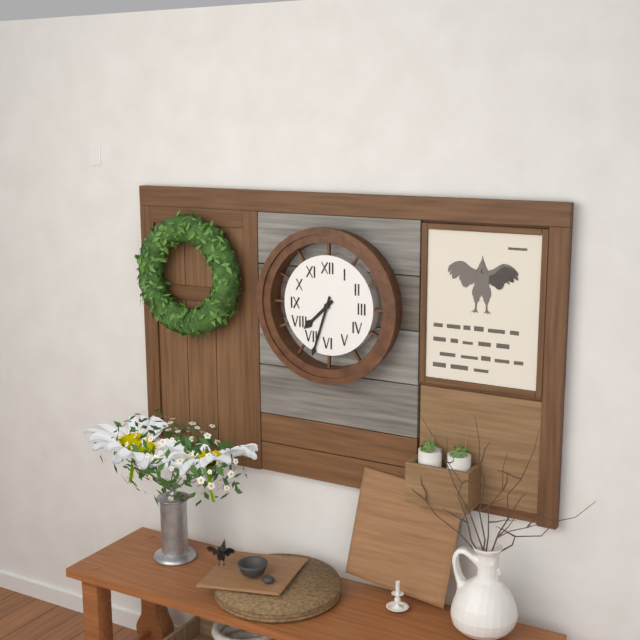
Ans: 7:33
